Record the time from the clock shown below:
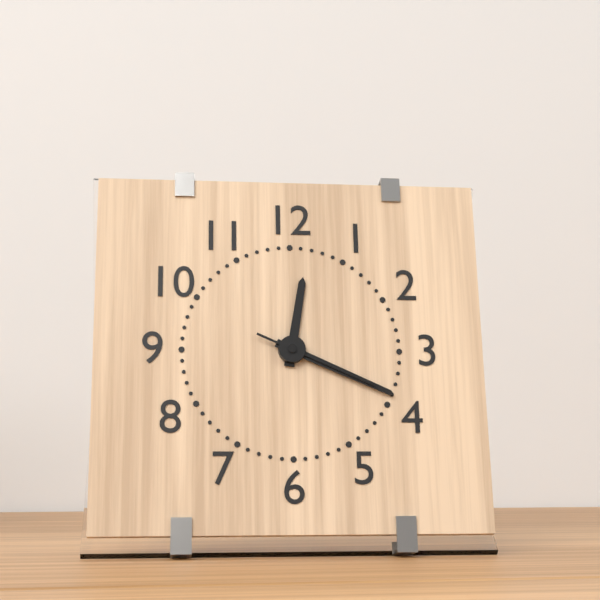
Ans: 12:19:19
